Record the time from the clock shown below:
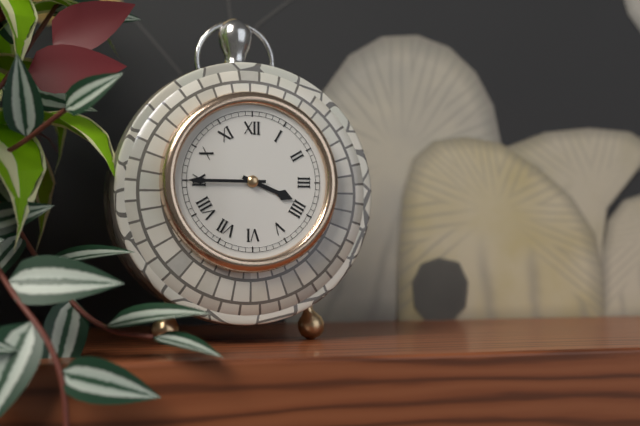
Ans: 3:45
